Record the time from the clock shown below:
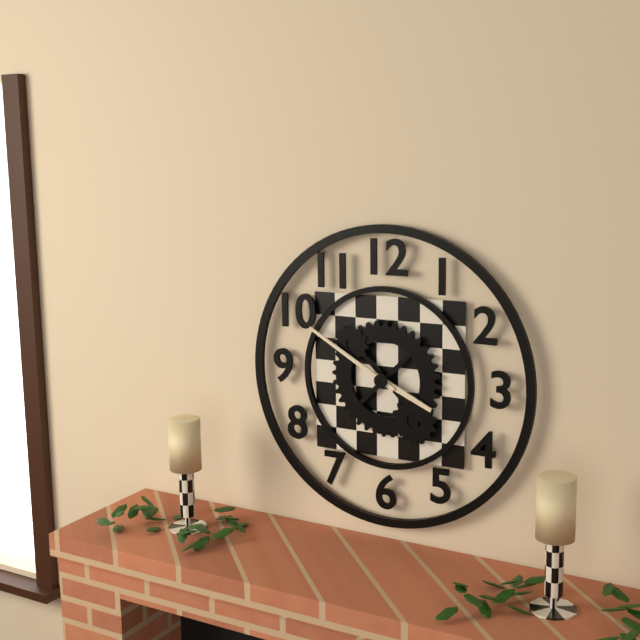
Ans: 3:50
